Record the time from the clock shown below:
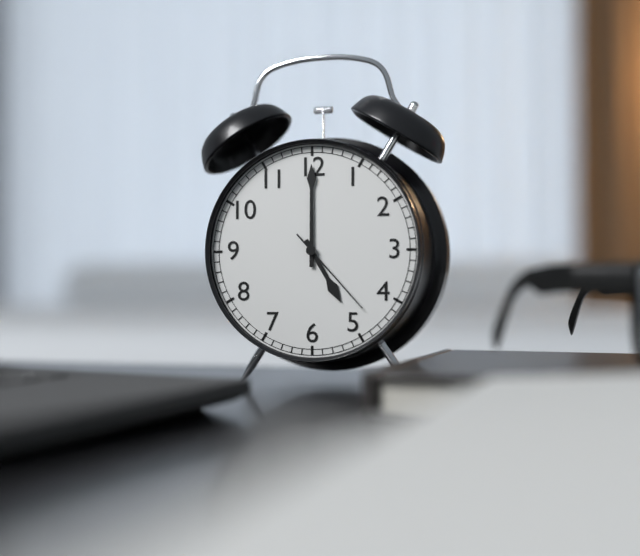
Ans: 5:00:23
